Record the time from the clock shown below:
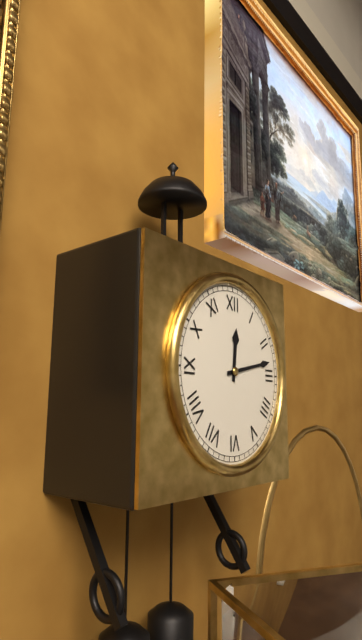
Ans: 12:13
